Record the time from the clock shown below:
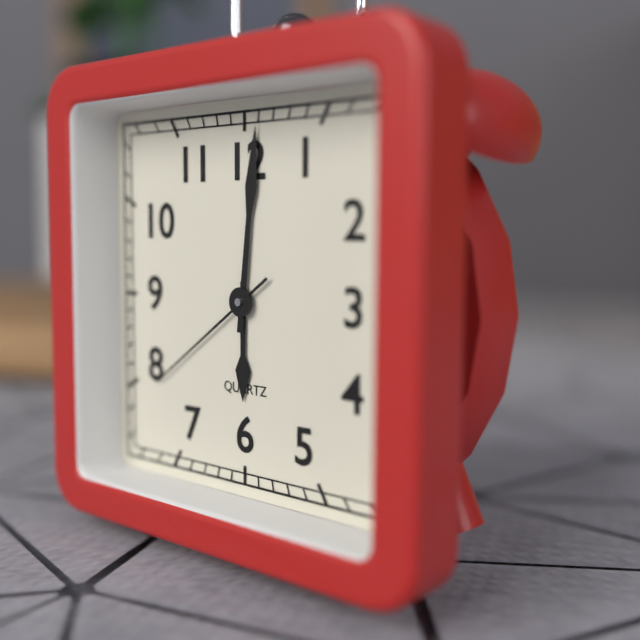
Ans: 6:01:39
